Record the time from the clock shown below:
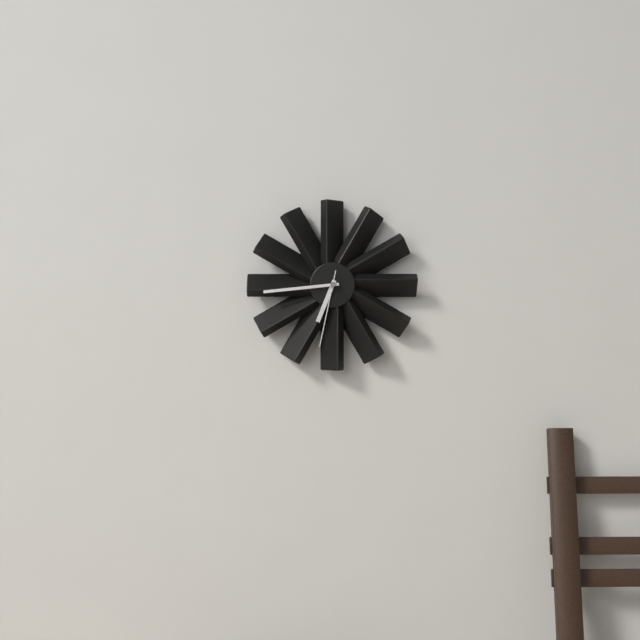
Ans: 6:44:32
